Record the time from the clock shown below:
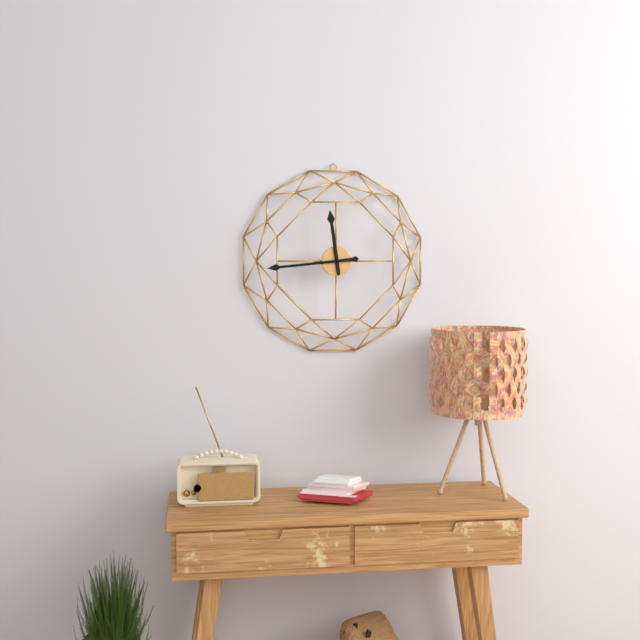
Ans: 11:44
